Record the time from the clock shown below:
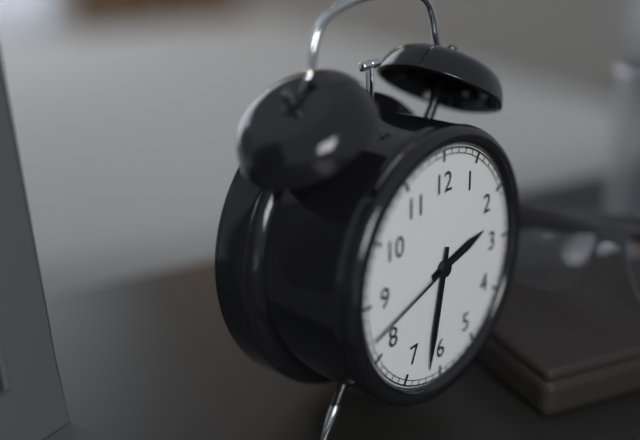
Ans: 2:32:42
